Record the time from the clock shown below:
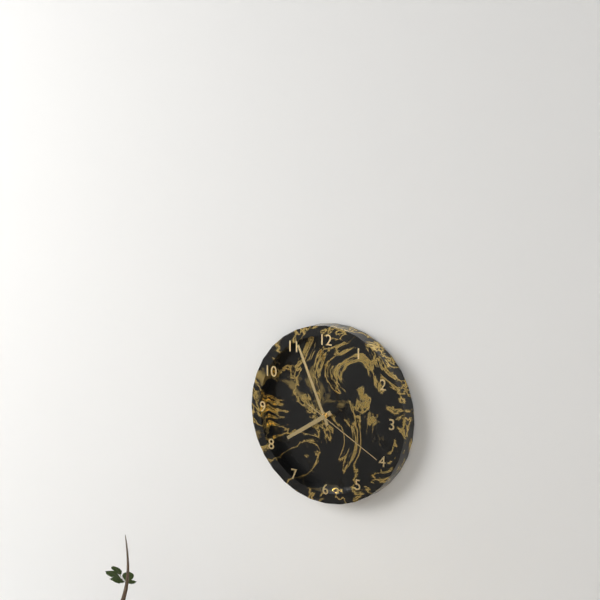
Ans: 7:56:20
